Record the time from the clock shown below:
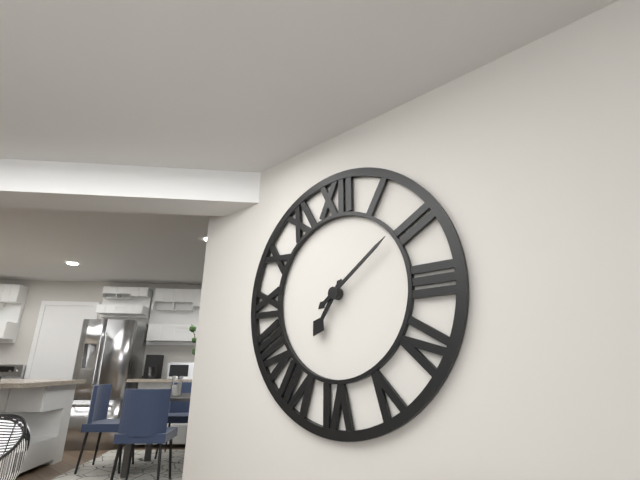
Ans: 7:09
